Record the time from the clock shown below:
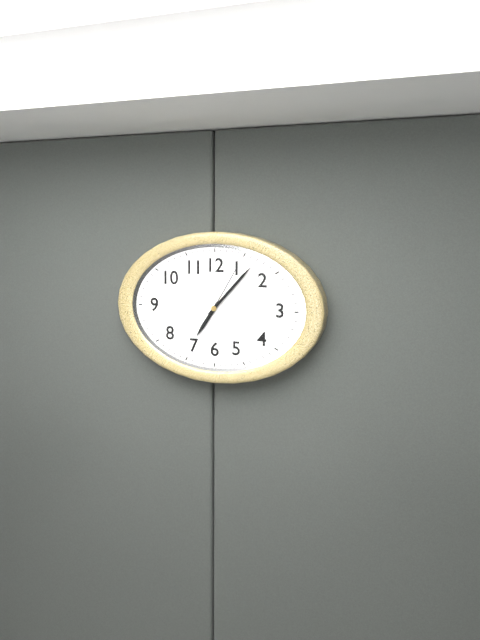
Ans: 7:07:05
